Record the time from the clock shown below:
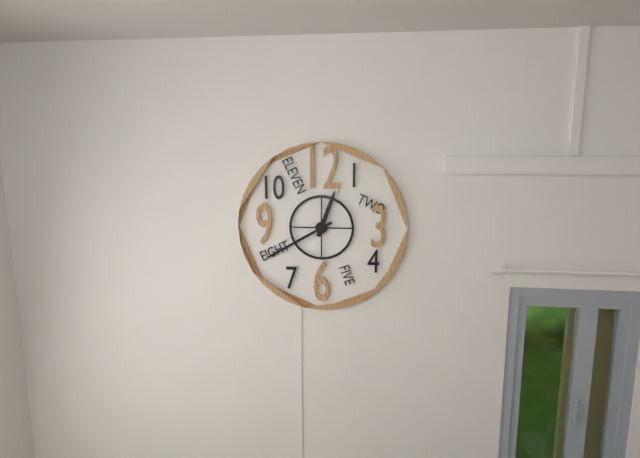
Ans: 12:40
